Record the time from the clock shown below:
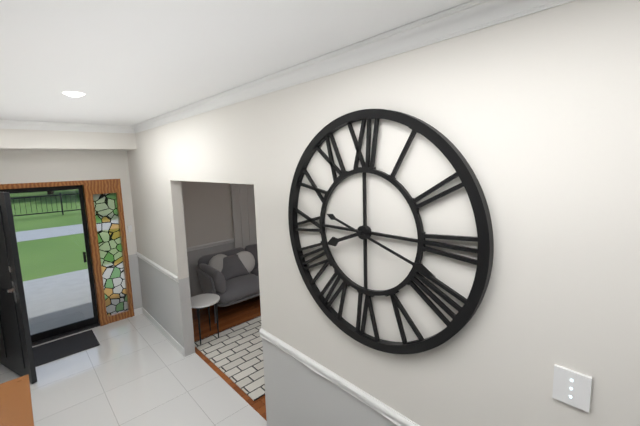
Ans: 8:18
